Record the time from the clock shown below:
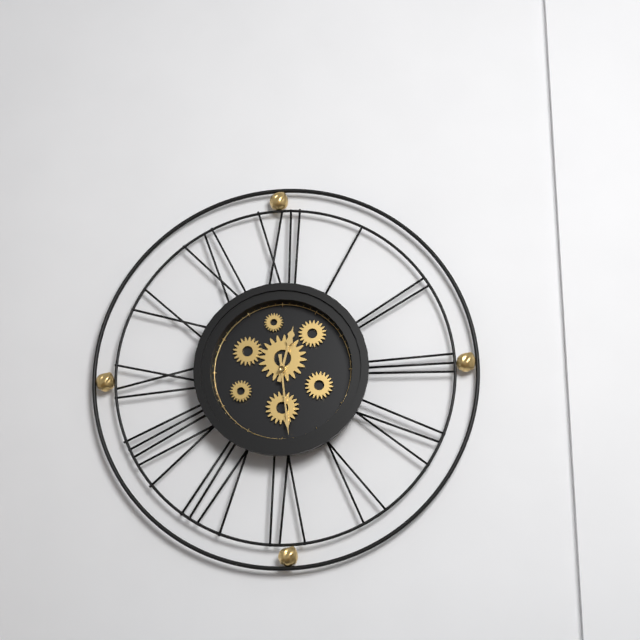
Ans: 12:29
